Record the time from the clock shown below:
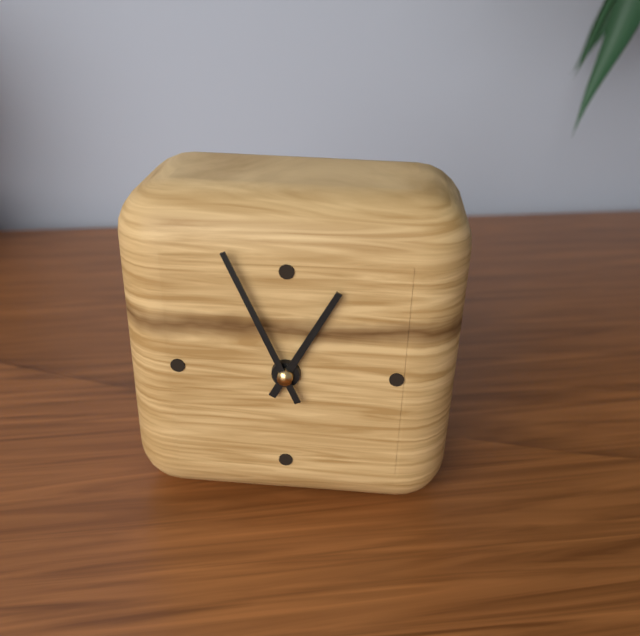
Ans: 12:56
